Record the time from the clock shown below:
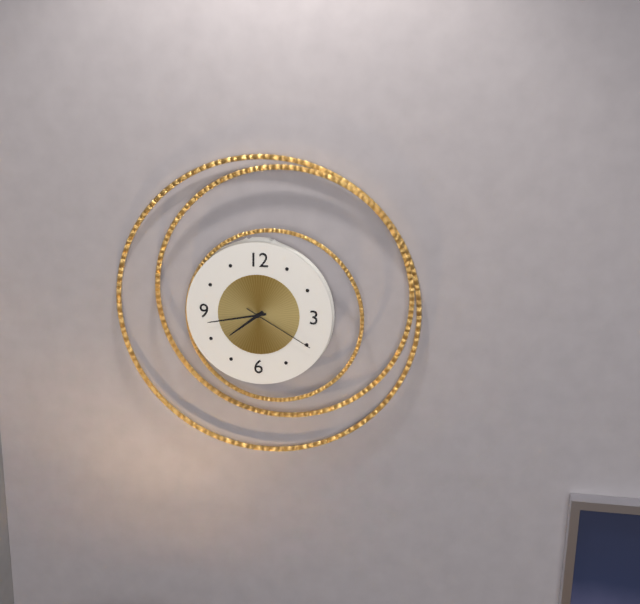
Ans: 7:43:20
